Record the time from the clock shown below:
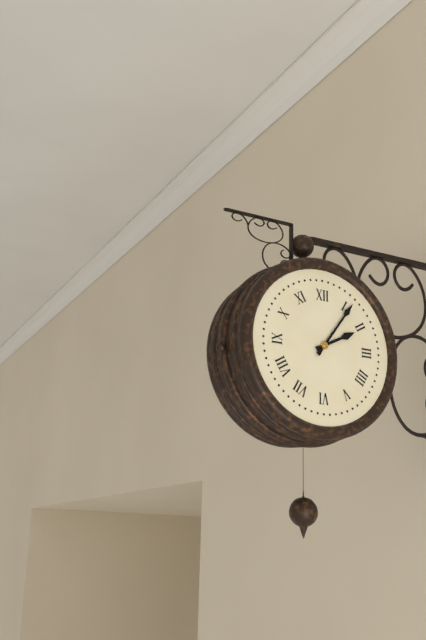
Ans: 2:06
